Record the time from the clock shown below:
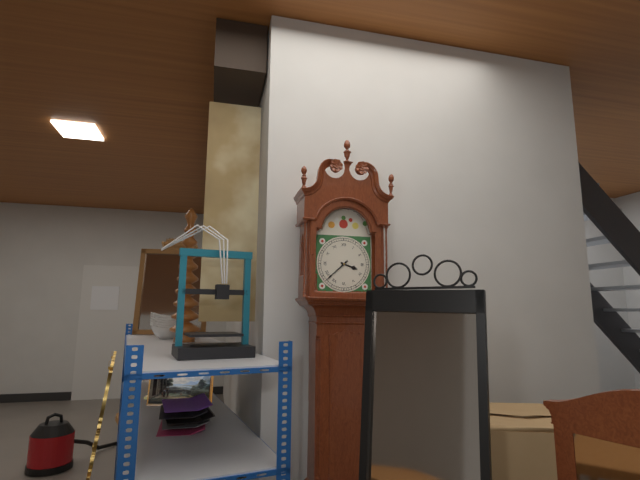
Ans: 3:38
